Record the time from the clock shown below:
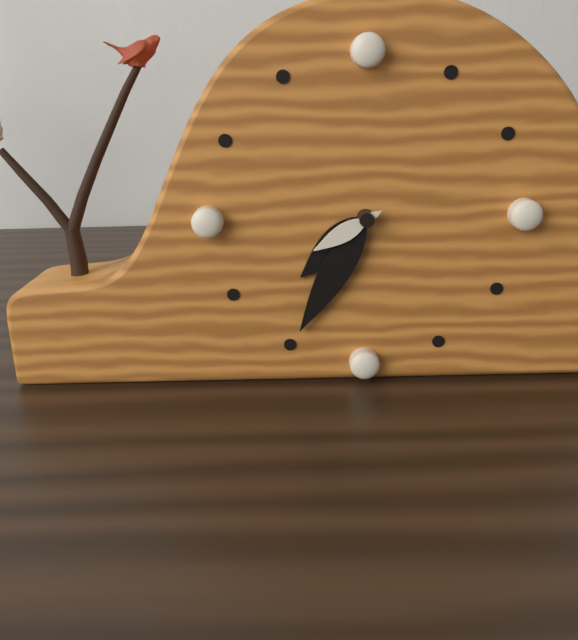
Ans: 7:35:40
